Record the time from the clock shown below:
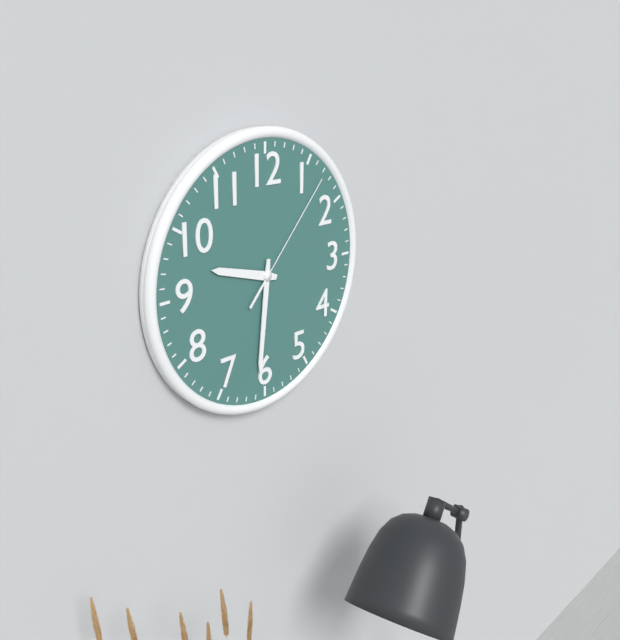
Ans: 9:31:07
